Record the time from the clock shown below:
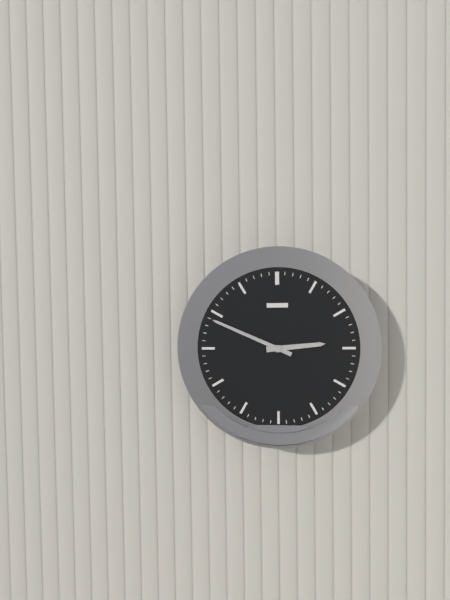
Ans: 2:49
